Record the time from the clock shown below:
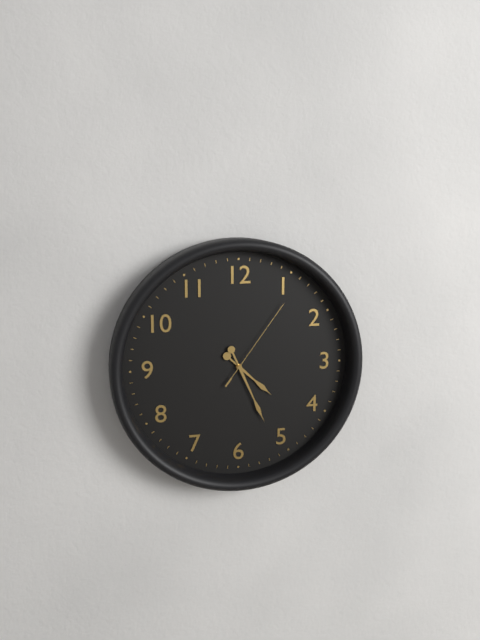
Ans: 4:26:06
